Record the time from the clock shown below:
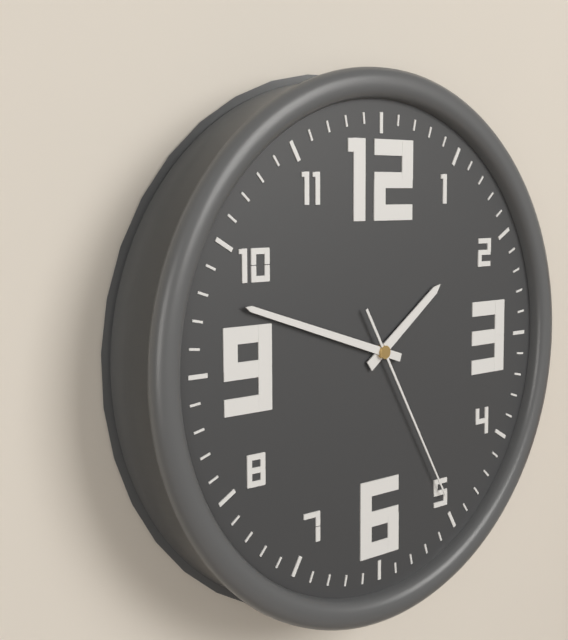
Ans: 1:48:25
